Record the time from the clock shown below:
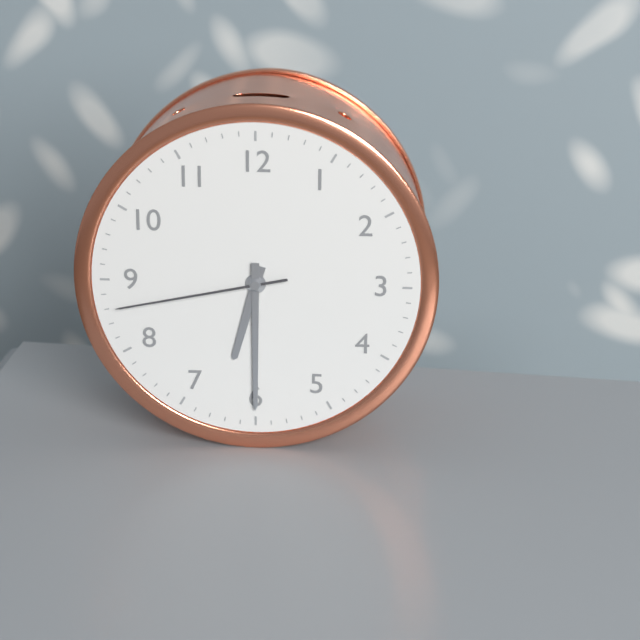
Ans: 6:30:43
